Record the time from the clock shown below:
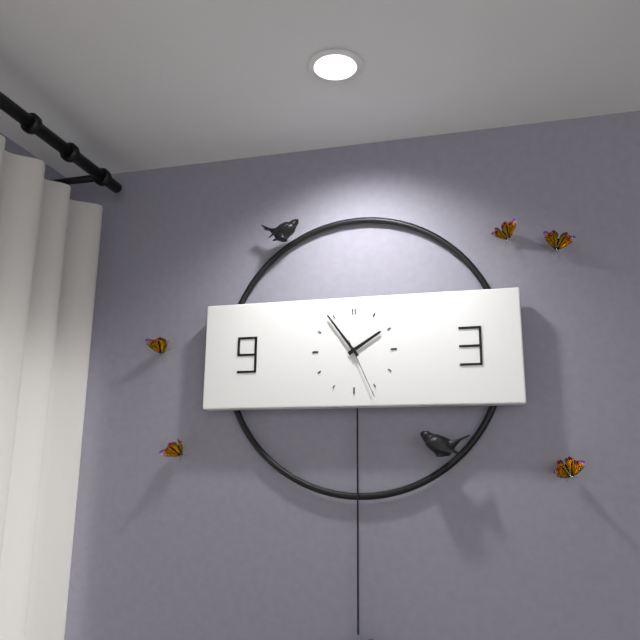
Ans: 1:54:26
